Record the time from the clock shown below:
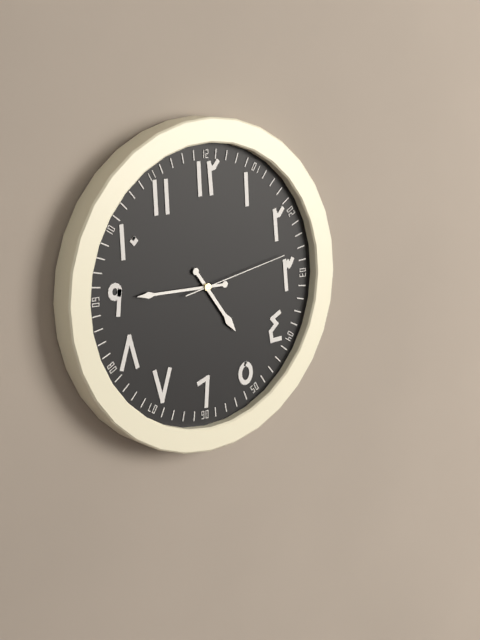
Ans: 4:45:13
